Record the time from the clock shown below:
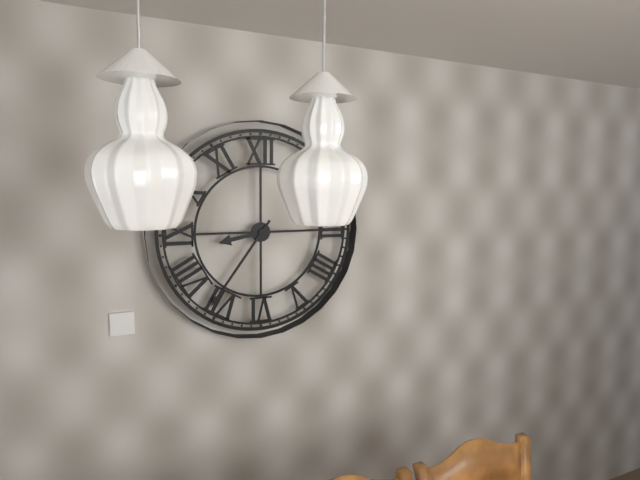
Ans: 8:36
